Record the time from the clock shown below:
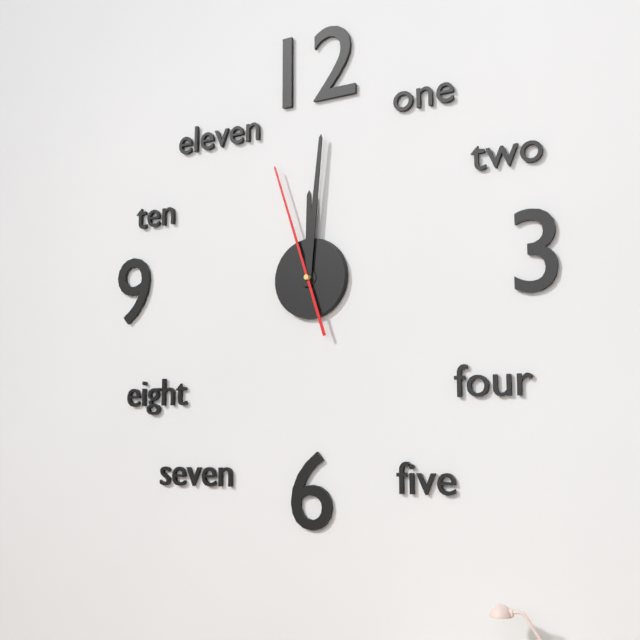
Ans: 12:01:57
